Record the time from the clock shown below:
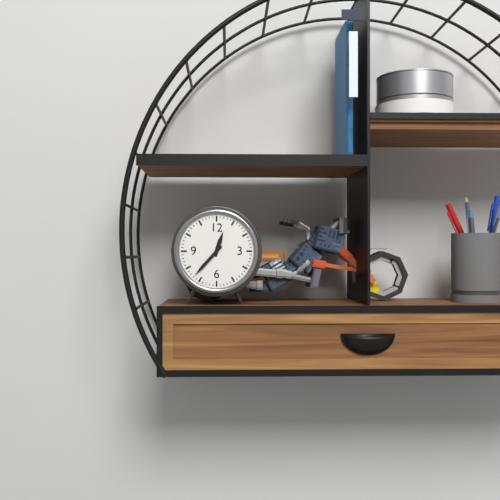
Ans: 12:37
